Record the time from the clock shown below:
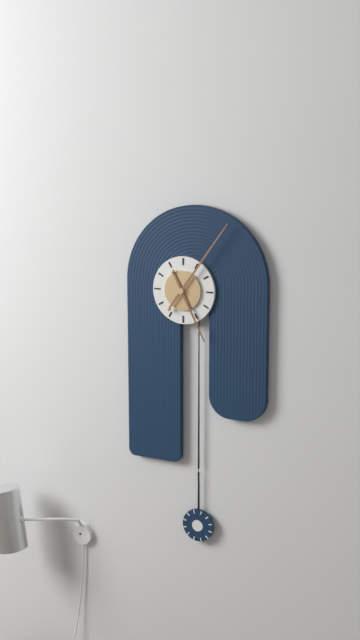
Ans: 5:06
